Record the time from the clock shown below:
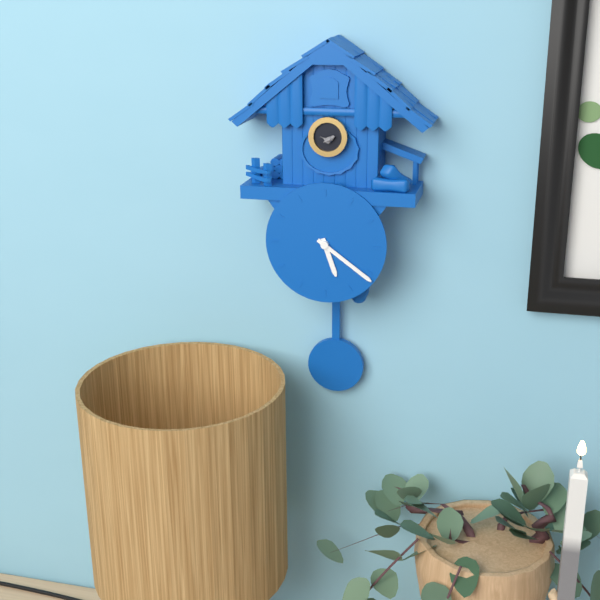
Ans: 5:21
